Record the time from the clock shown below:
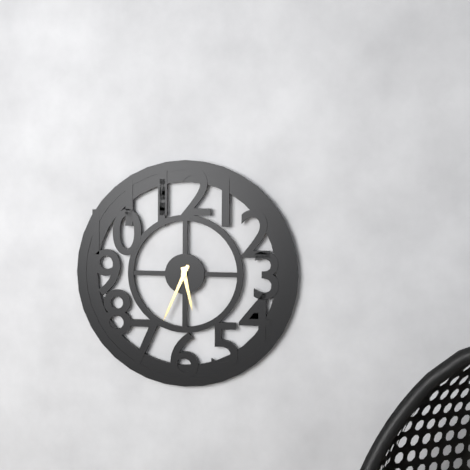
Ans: 5:34
